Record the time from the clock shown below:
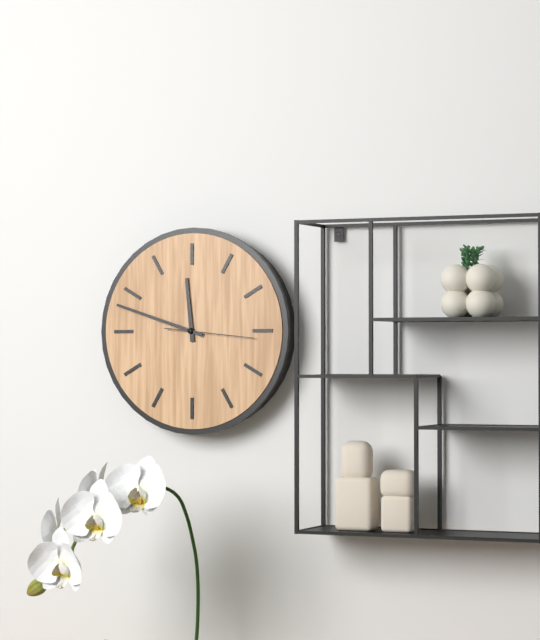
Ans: 11:48:16
